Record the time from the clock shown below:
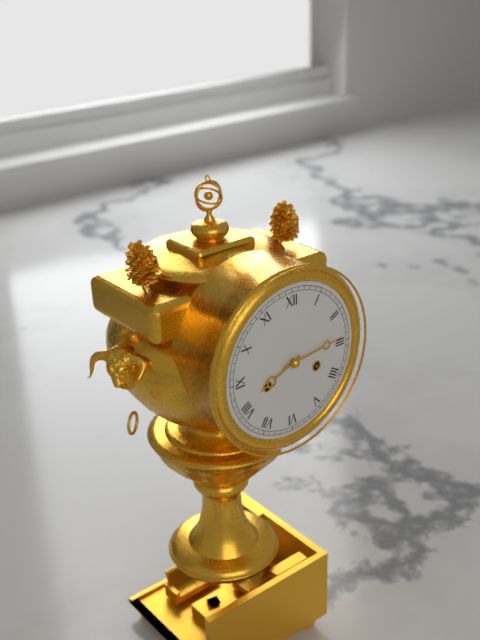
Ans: 8:14
